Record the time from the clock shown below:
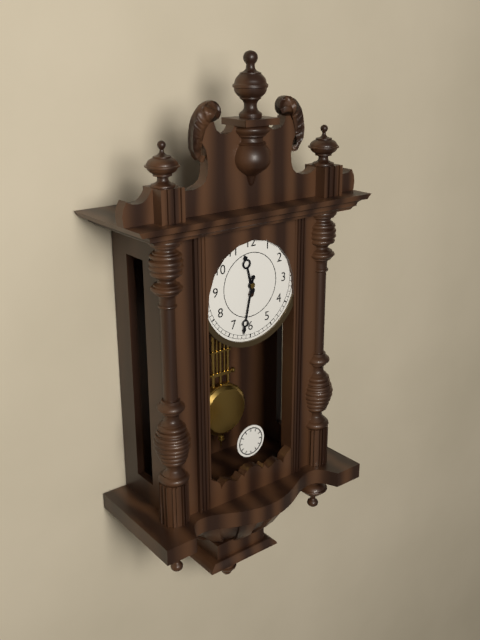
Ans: 11:32
